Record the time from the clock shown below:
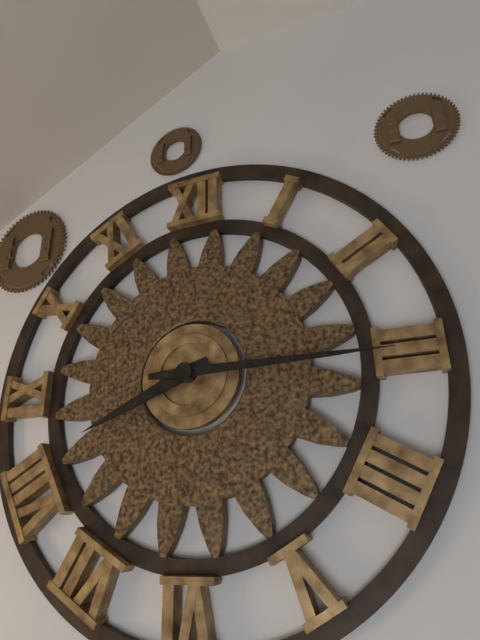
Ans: 8:15
